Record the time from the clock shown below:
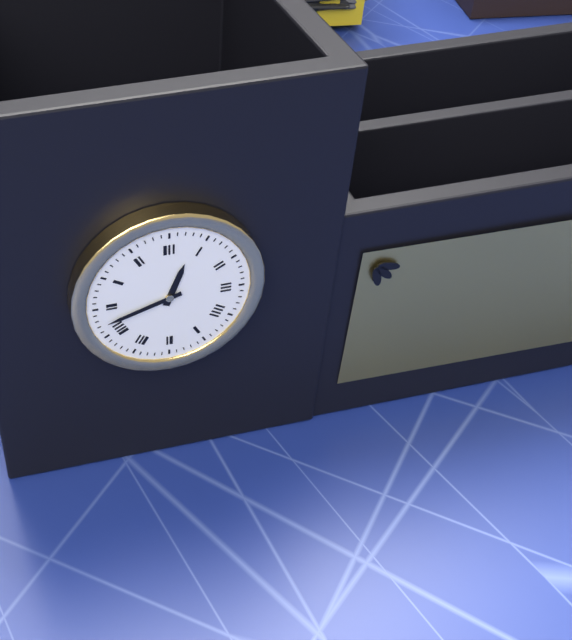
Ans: 12:42
